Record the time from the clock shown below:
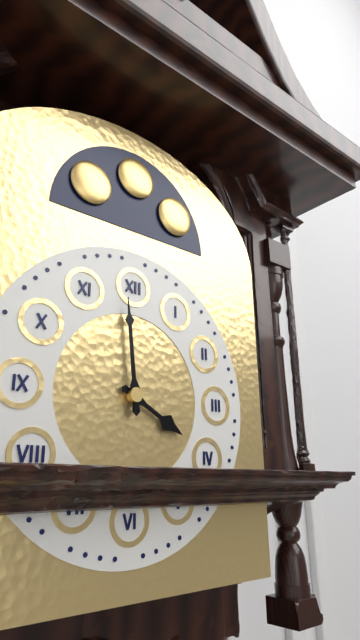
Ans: 3:59
